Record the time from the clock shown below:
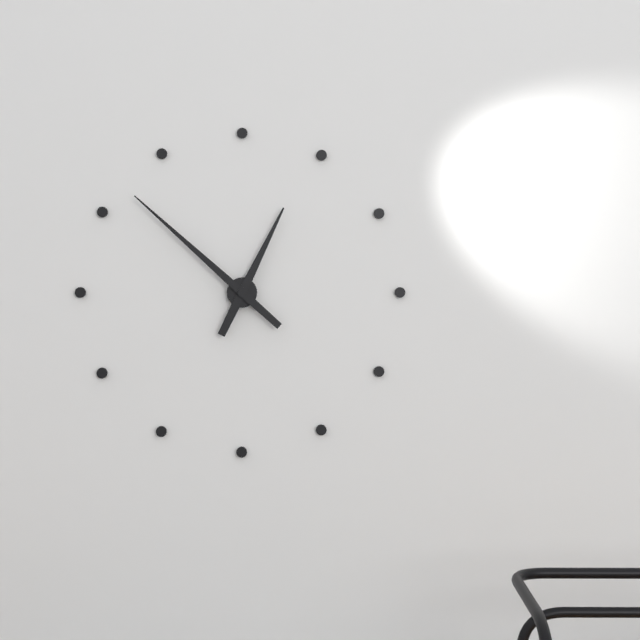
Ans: 12:52
